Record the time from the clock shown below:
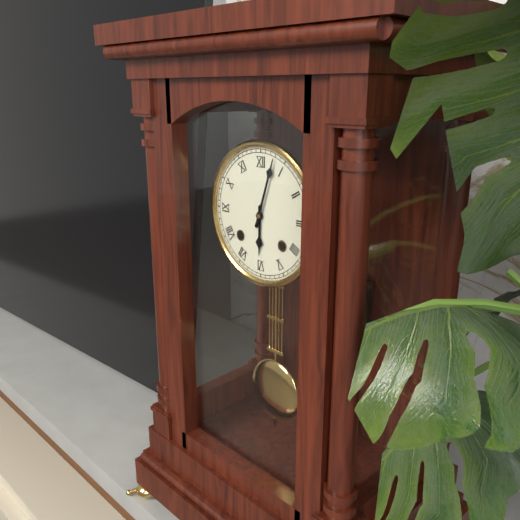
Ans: 6:03
